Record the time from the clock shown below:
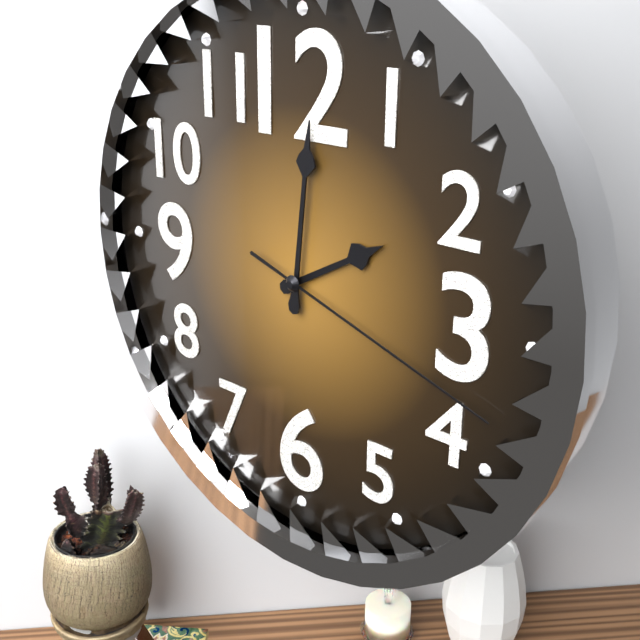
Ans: 2:01:18
